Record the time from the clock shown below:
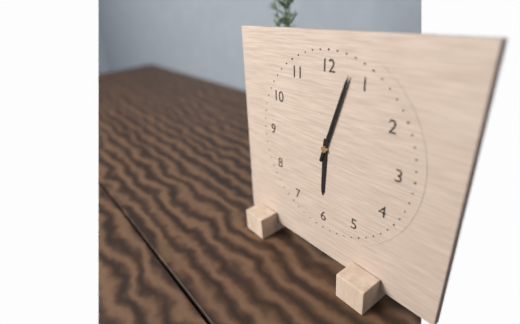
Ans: 6:03
